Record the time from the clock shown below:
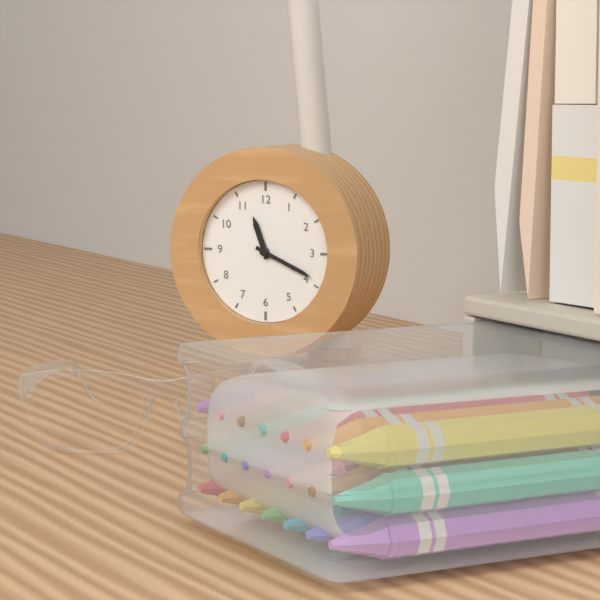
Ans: 11:19
